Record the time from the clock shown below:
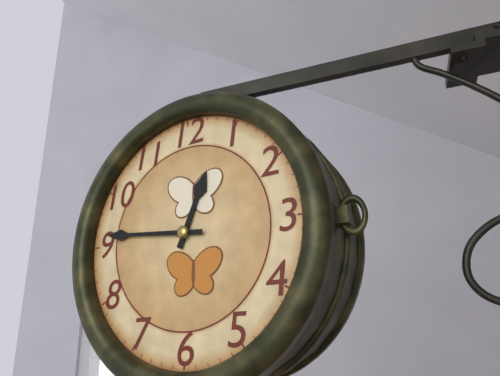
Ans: 12:46
